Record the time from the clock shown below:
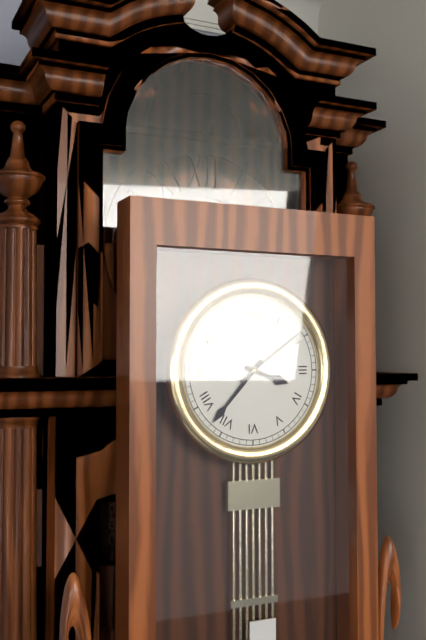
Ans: 3:37:09
